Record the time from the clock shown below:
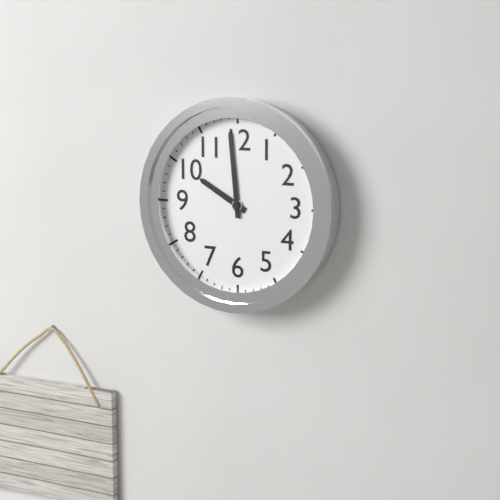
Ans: 9:59
